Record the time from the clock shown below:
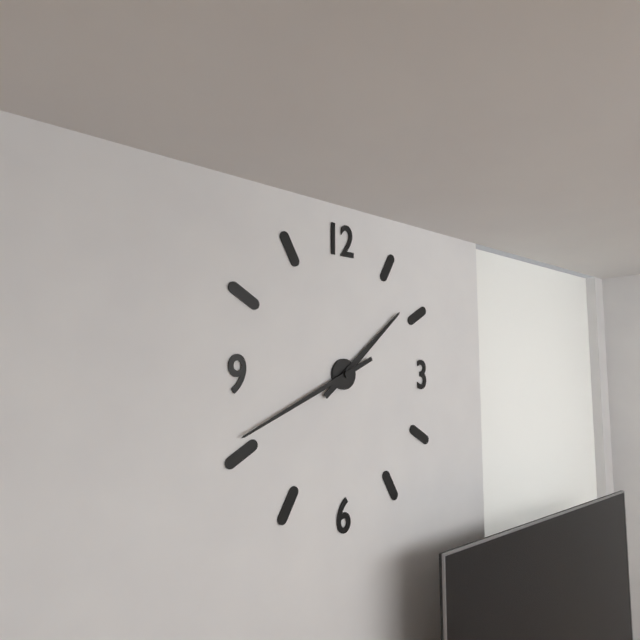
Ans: 1:41
